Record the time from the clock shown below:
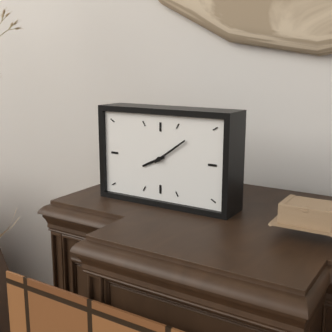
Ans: 8:09
